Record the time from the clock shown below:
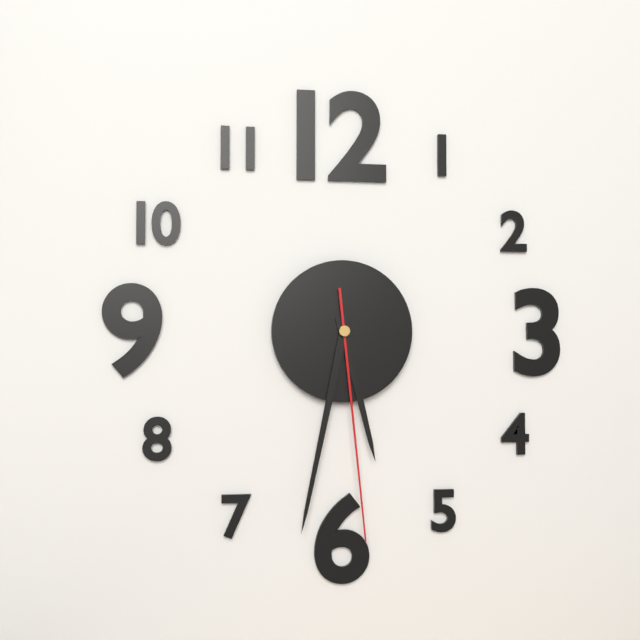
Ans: 5:32:29
